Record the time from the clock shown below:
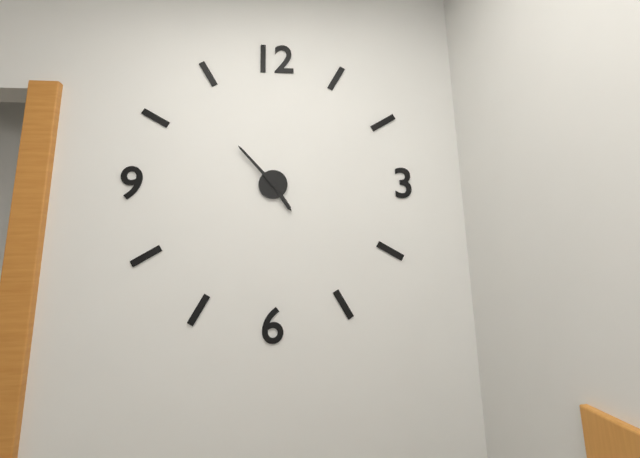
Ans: 4:53
